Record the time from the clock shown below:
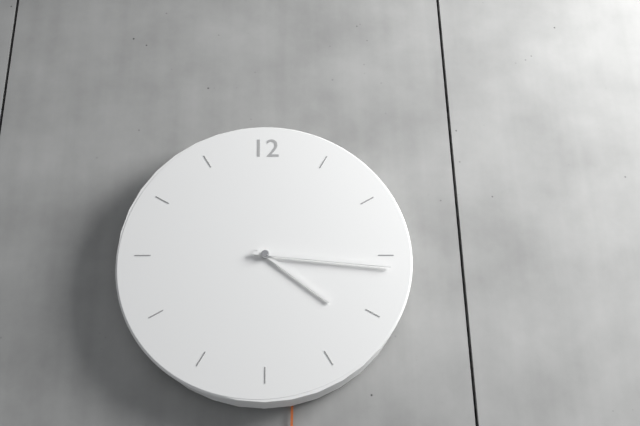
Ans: 4:16
